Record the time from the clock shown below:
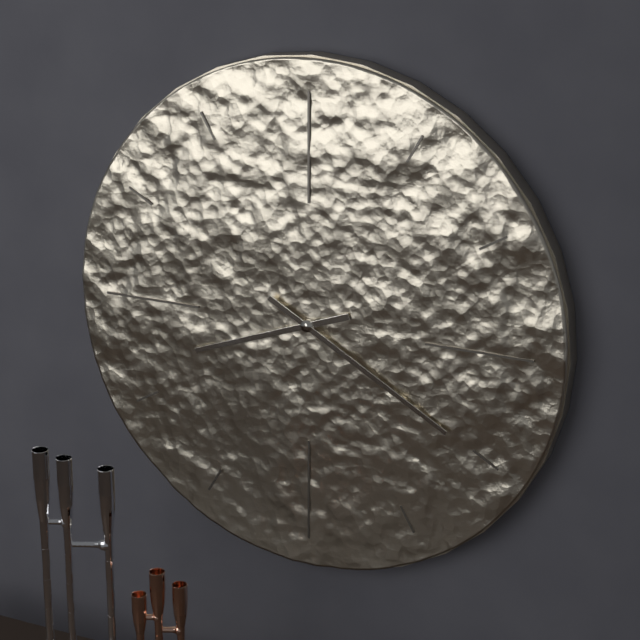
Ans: 8:20
